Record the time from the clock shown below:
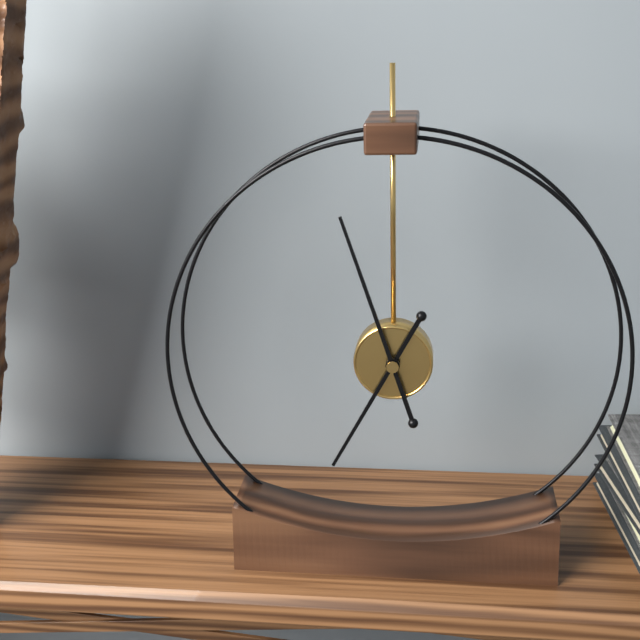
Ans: 6:57
